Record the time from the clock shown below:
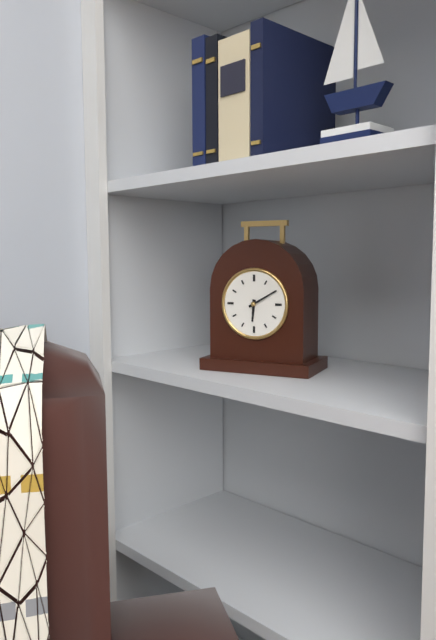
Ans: 6:10
